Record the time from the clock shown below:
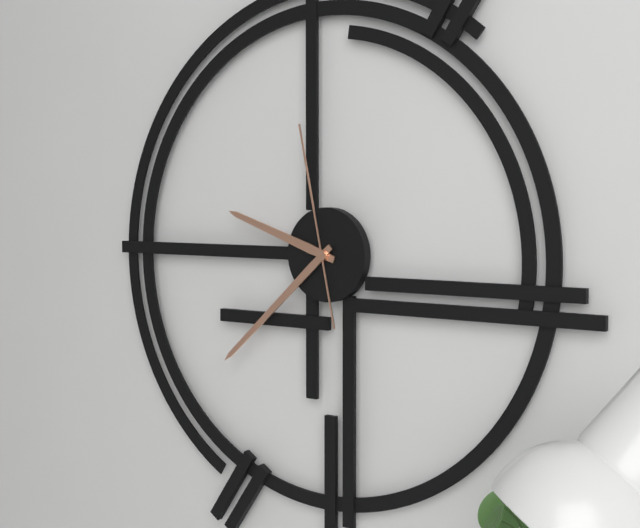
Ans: 9:38:58
